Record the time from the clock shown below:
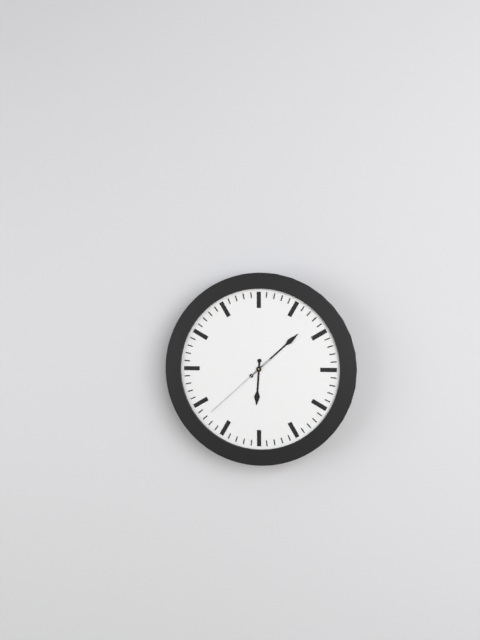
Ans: 6:08:38
